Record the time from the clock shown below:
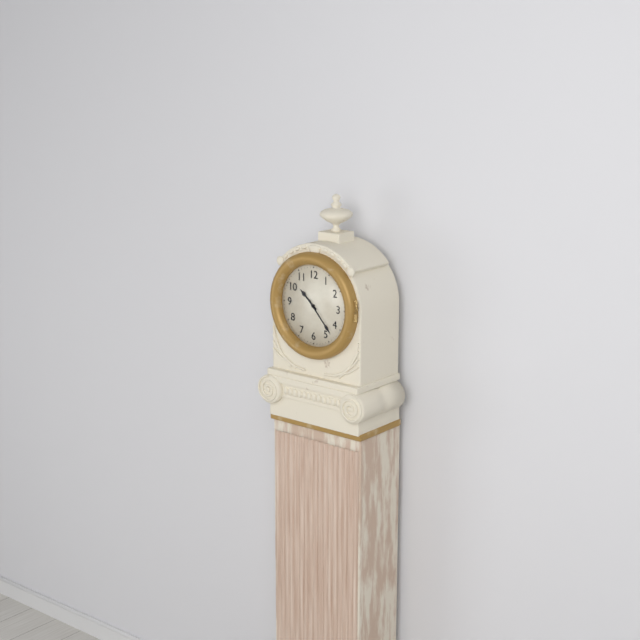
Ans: 10:23
